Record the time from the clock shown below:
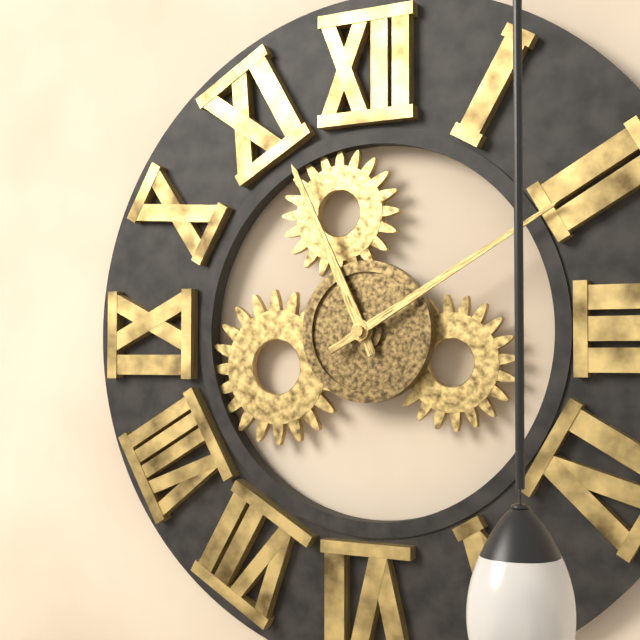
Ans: 11:10
